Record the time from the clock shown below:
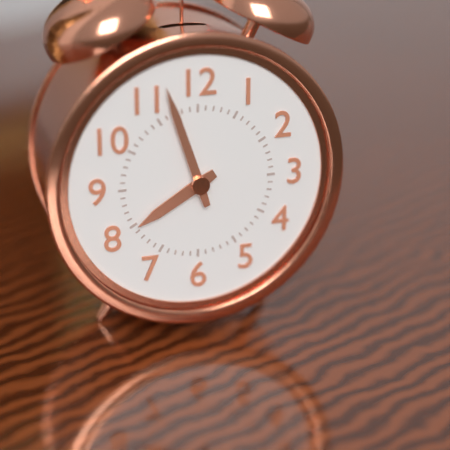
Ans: 7:57
